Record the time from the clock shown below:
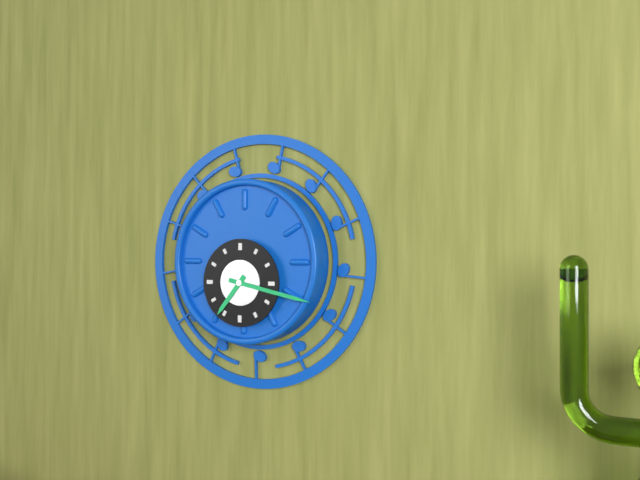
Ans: 7:17
